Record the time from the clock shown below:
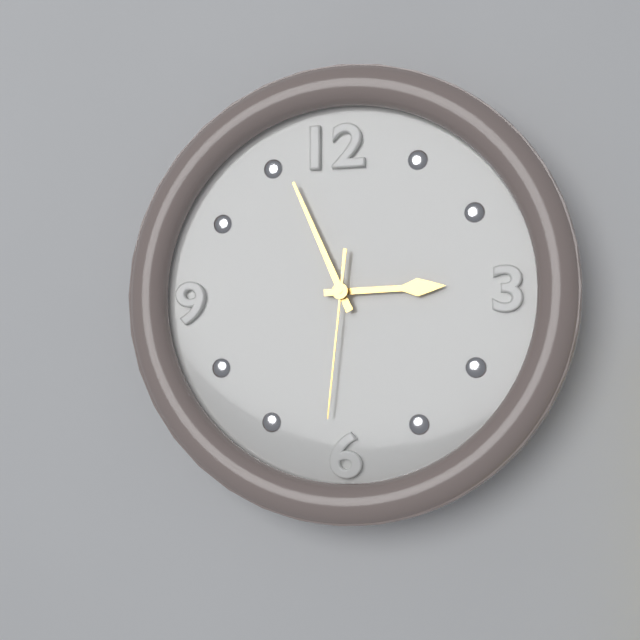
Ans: 2:56:31
